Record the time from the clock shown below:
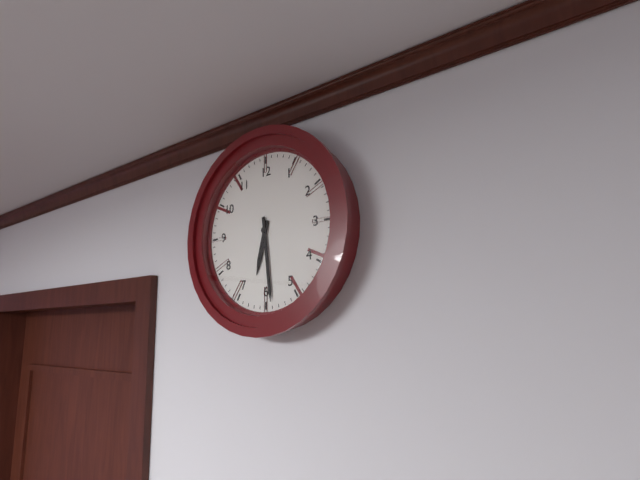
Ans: 6:29
